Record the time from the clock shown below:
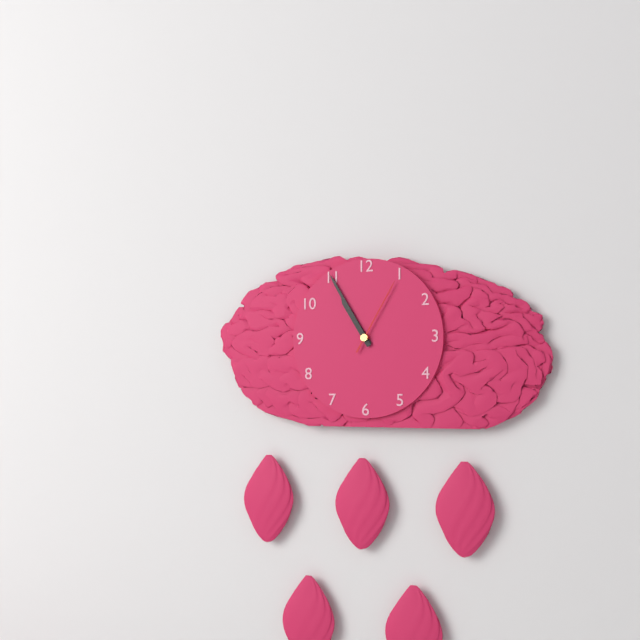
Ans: 10:55:05
